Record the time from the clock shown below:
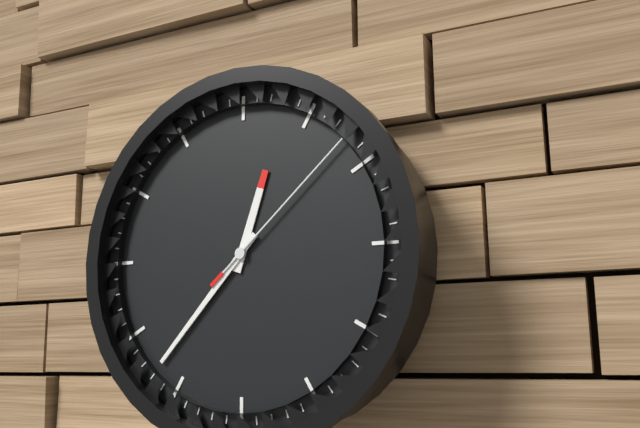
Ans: 12:37:08
